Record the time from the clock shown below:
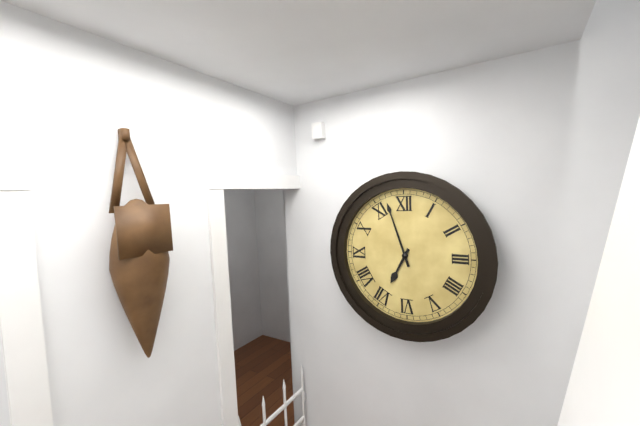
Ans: 6:57
